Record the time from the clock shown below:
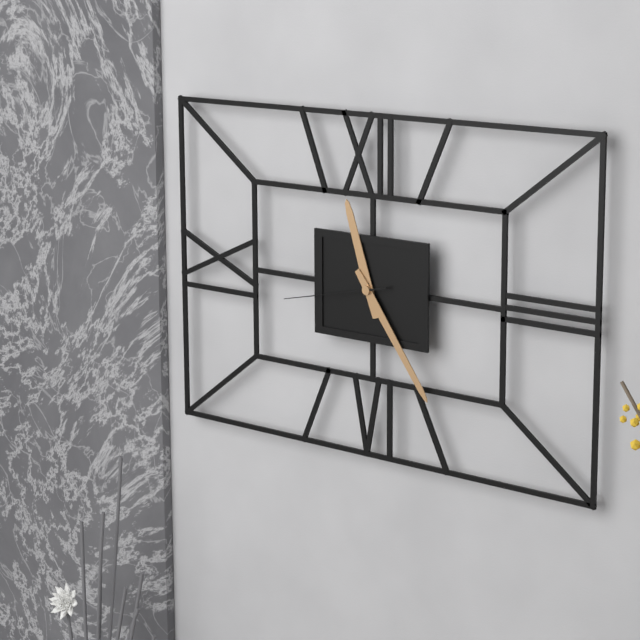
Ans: 11:24:43
